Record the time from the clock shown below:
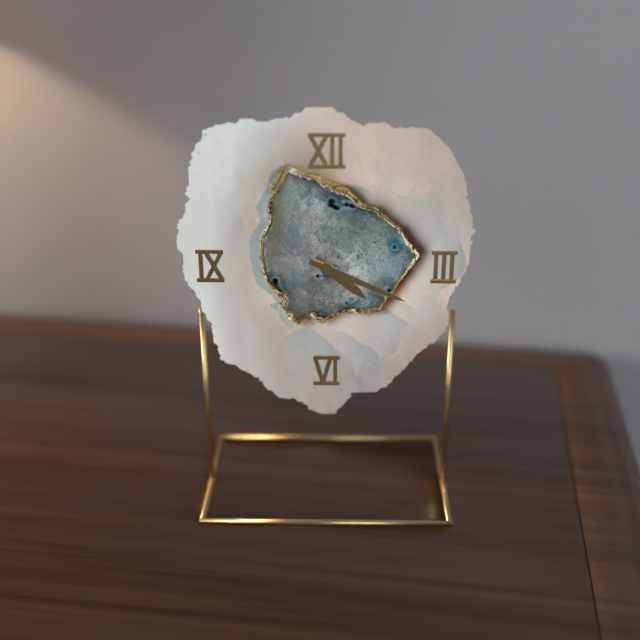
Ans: 4:19
